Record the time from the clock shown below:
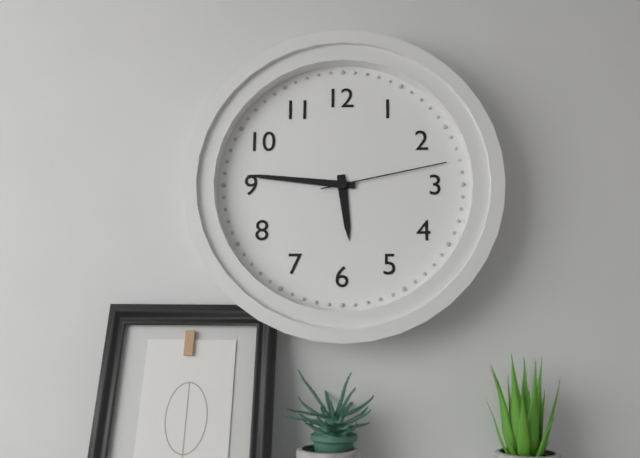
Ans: 5:46:13
